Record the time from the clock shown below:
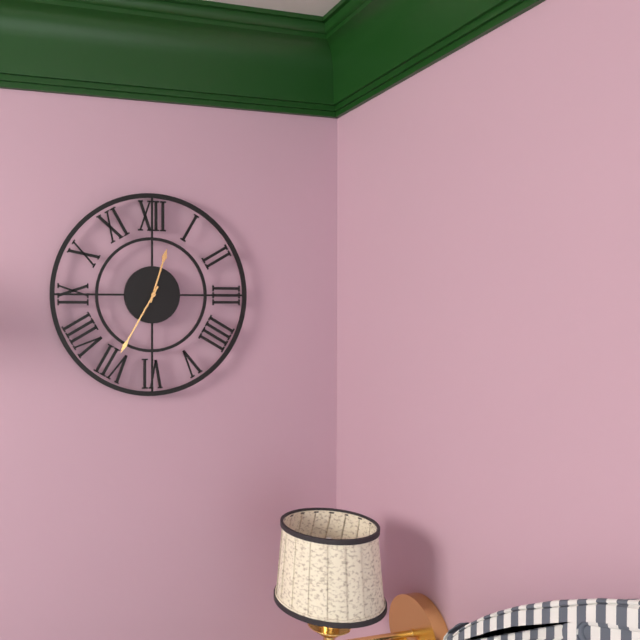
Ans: 12:35
